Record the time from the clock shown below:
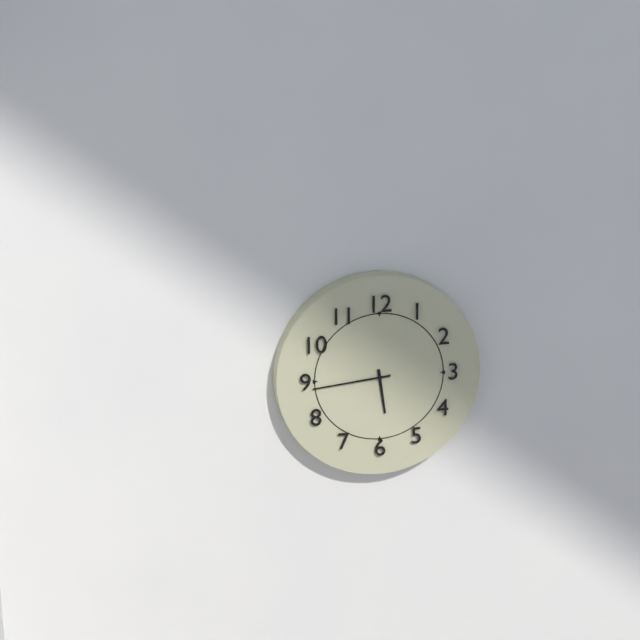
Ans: 5:44
